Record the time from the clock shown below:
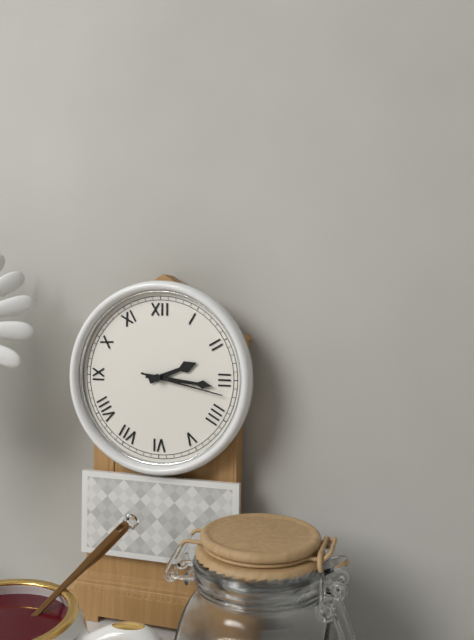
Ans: 2:16:17
